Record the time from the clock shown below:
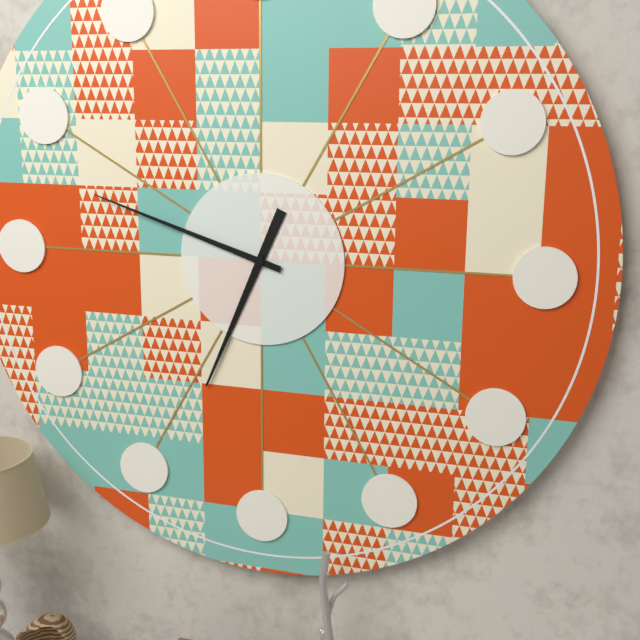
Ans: 6:48
